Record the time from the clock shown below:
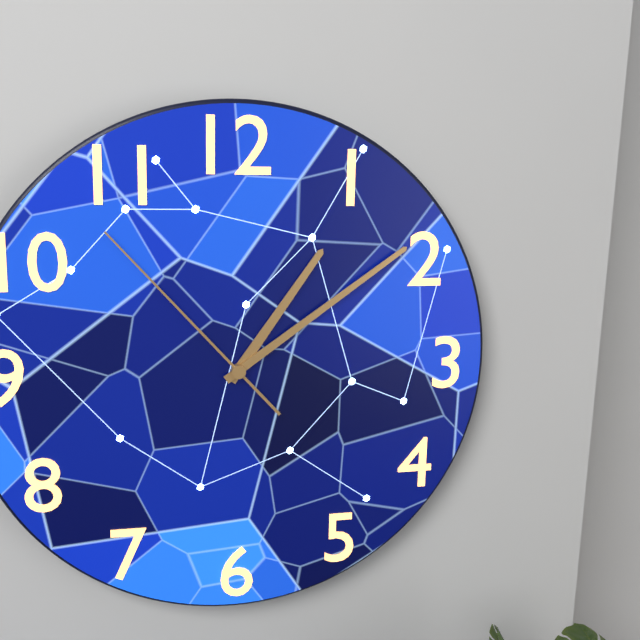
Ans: 1:09:53
